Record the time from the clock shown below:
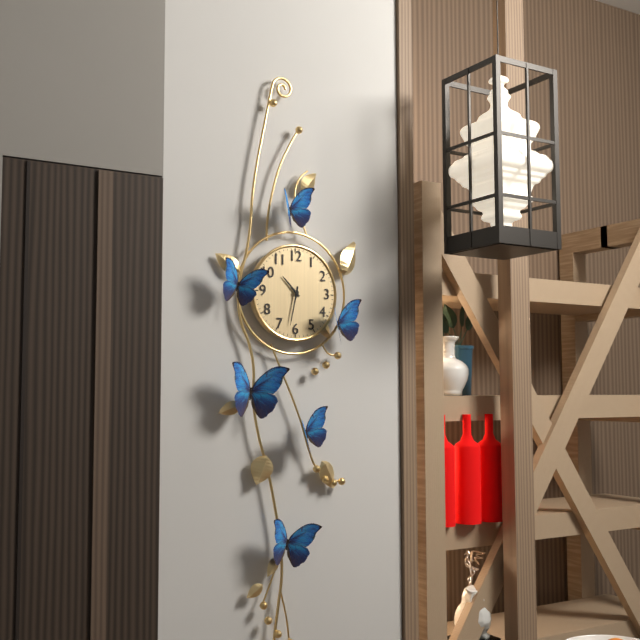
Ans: 10:32
